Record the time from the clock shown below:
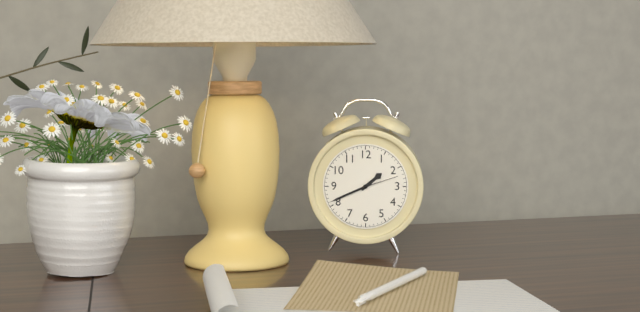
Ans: 1:41
